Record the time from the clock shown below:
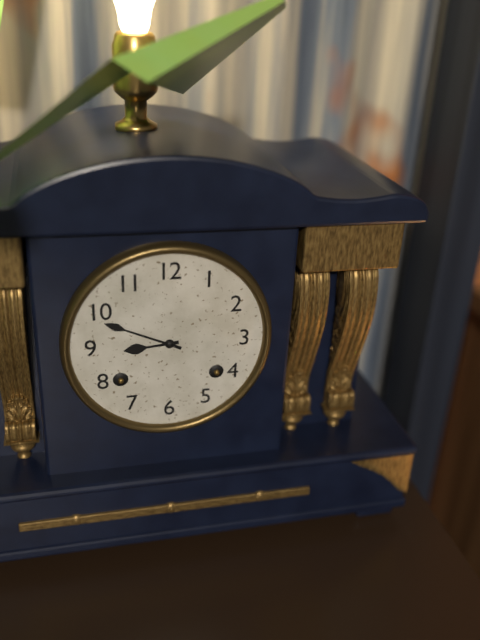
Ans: 8:49
